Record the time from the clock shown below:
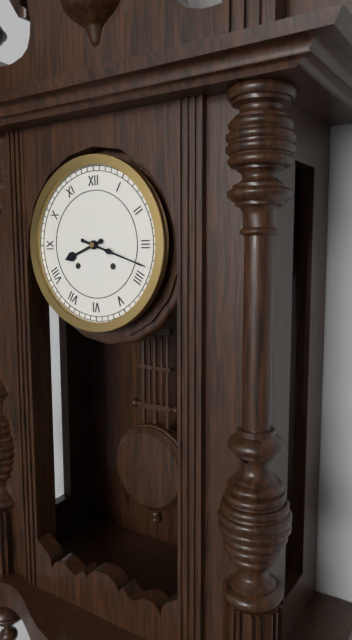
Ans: 8:18
